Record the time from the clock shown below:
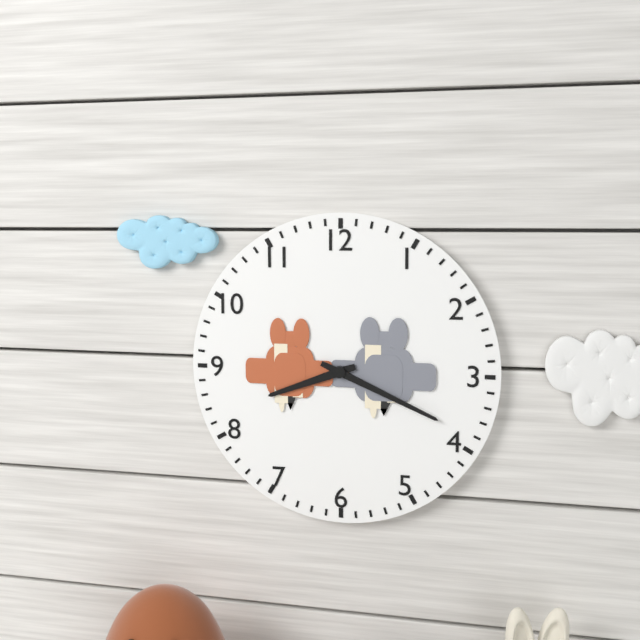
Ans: 8:19
